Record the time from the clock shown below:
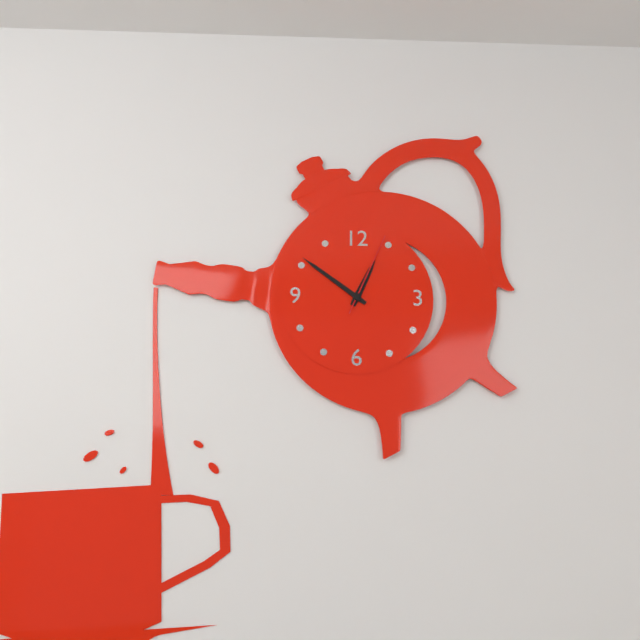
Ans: 12:51:04
